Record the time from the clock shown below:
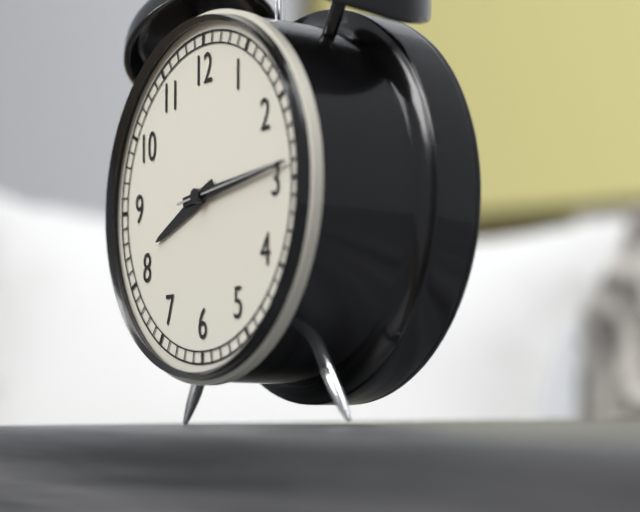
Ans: 8:14:14
